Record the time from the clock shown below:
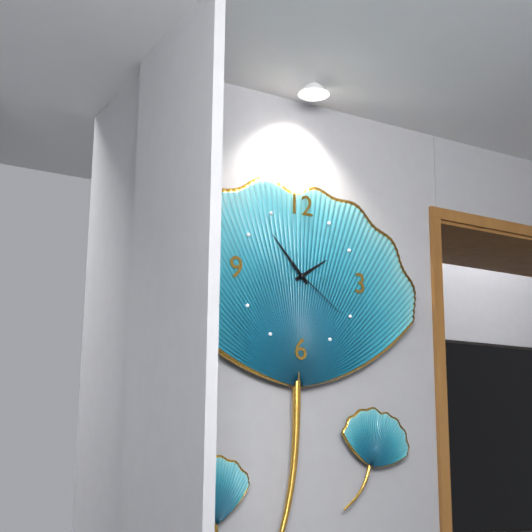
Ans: 1:53:21
